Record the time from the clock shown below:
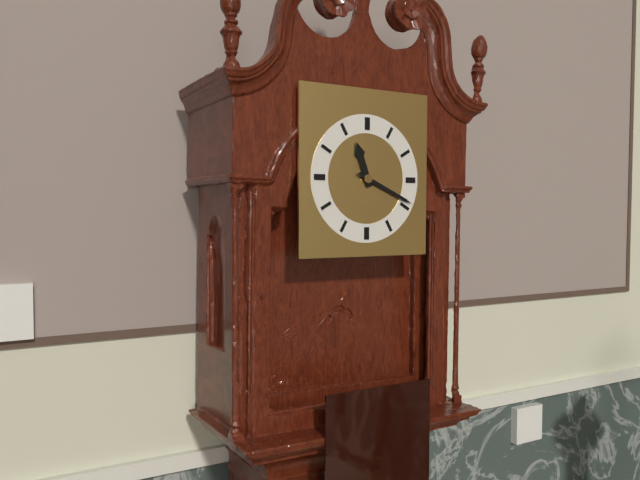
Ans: 11:19
